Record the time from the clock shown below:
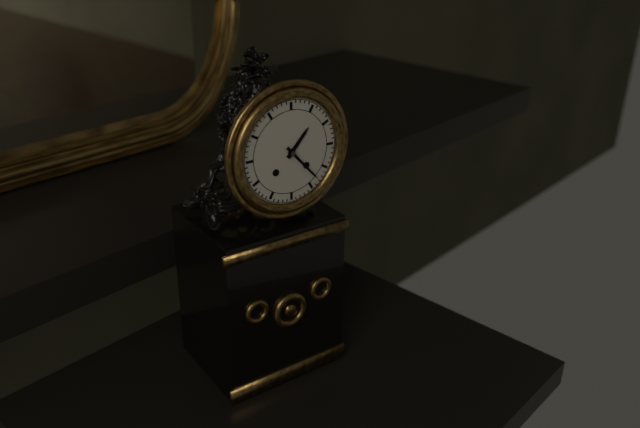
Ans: 1:23
